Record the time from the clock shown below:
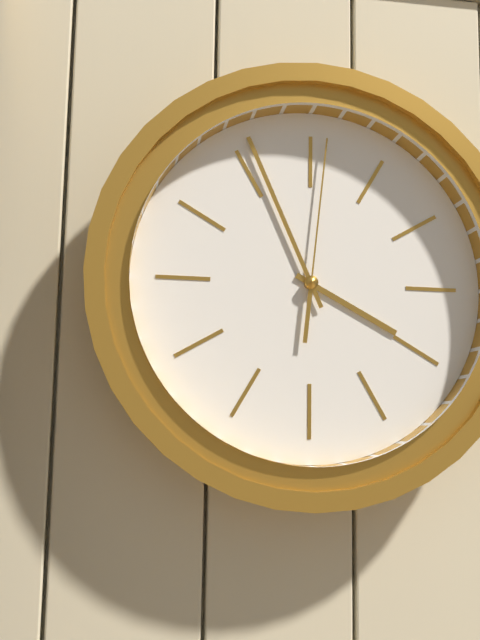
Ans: 3:56:01
